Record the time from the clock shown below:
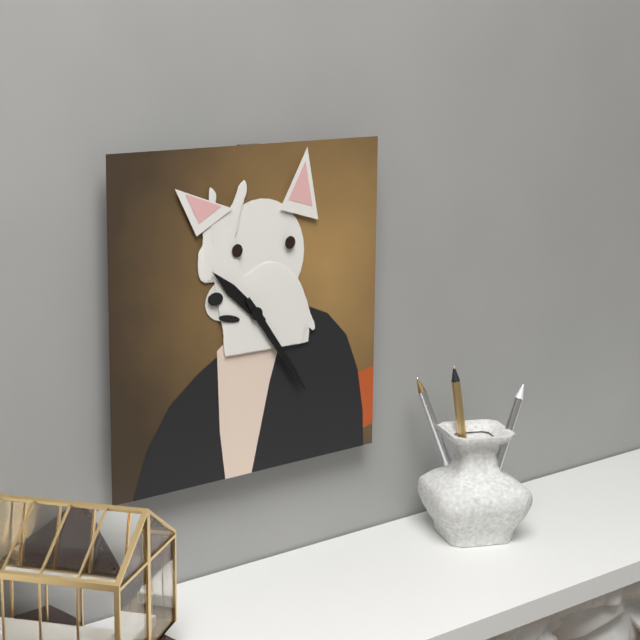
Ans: 10:24
